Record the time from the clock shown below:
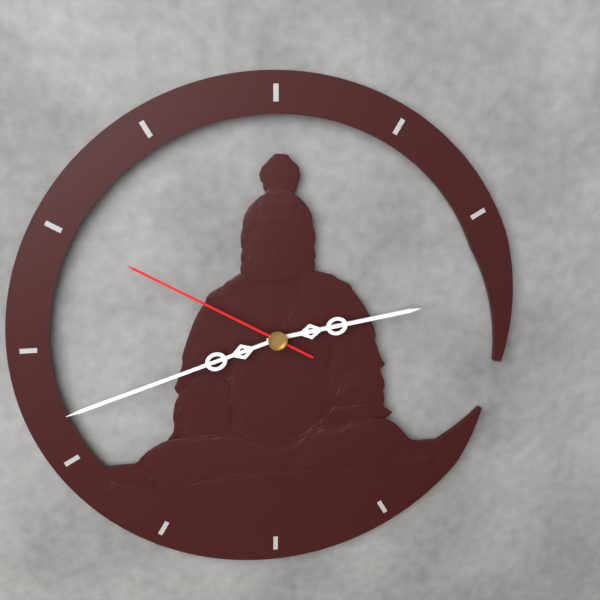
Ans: 2:42:50
